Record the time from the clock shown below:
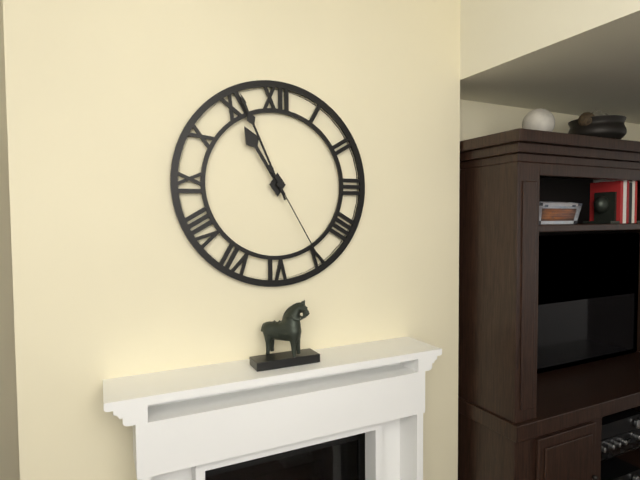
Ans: 10:56:25
